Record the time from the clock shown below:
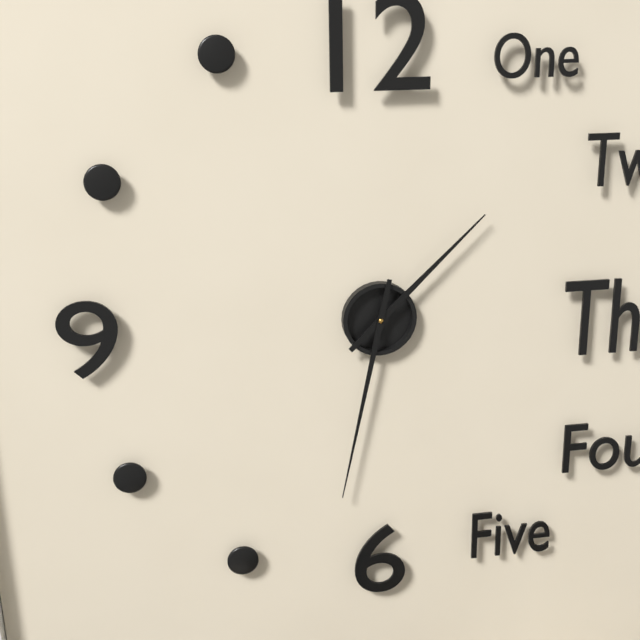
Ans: 1:32
